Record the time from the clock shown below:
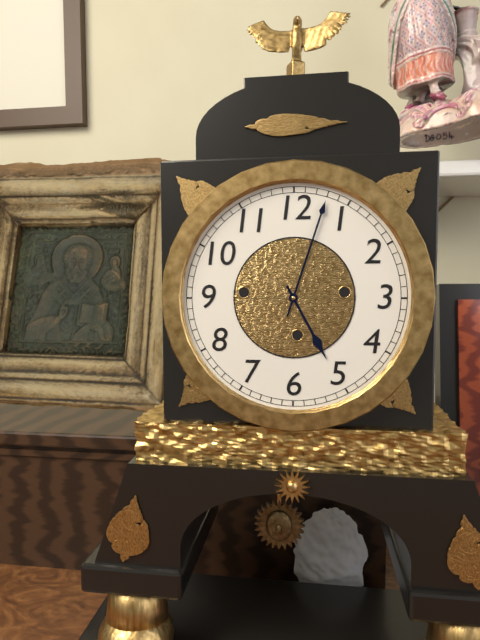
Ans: 5:03
